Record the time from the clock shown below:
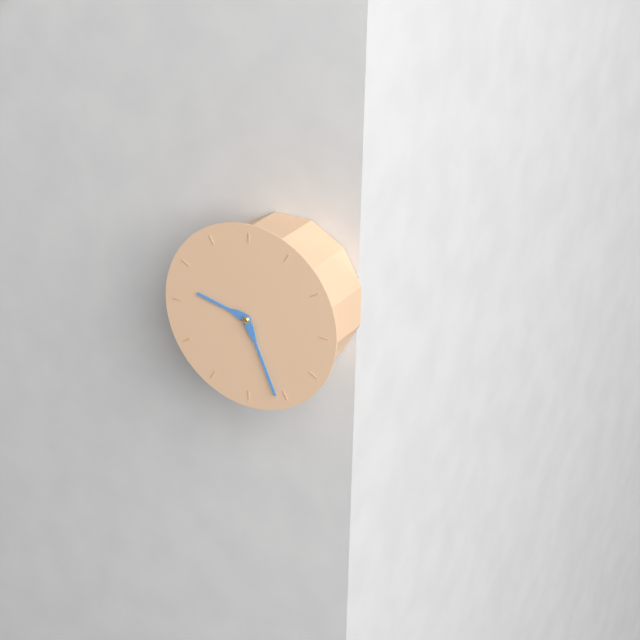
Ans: 9:26
